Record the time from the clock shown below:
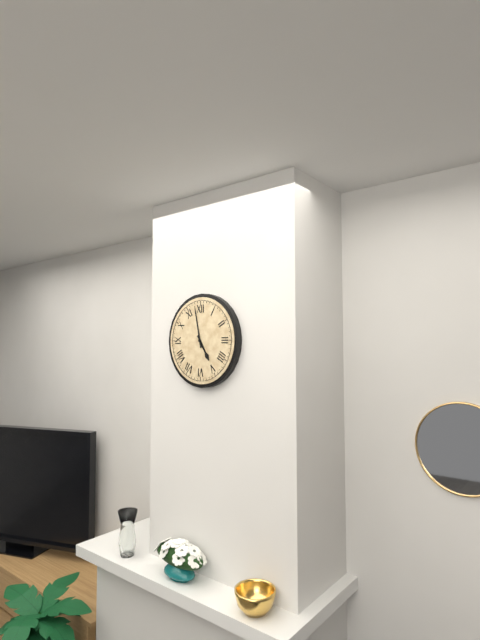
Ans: 4:58
